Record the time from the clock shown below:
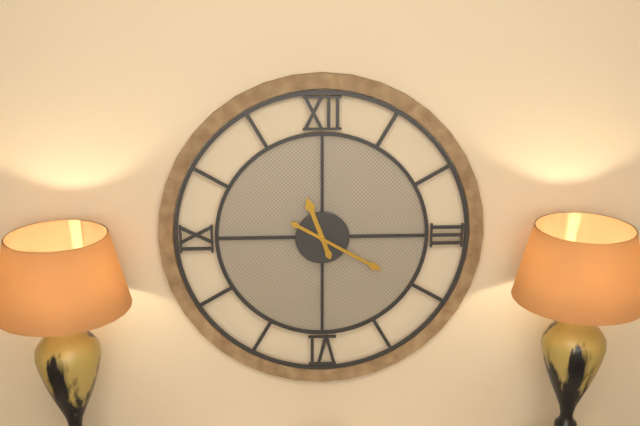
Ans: 11:20
